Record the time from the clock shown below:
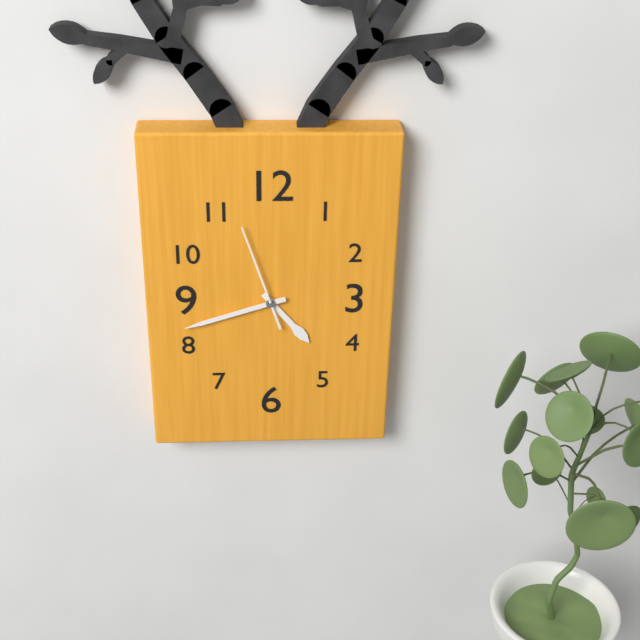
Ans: 4:42:57
